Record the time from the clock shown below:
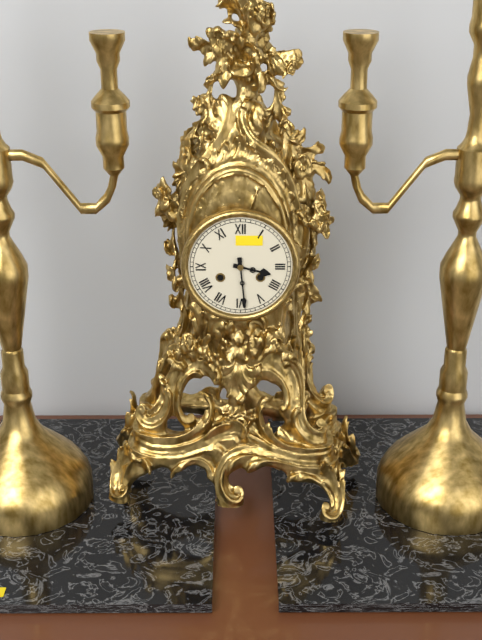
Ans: 3:29
